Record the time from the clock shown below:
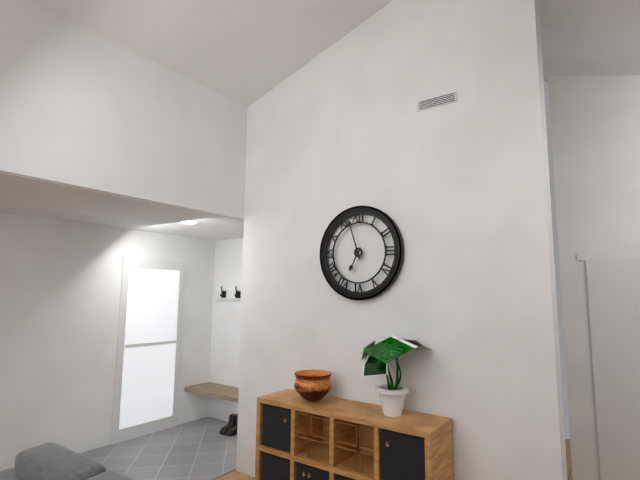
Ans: 6:57
